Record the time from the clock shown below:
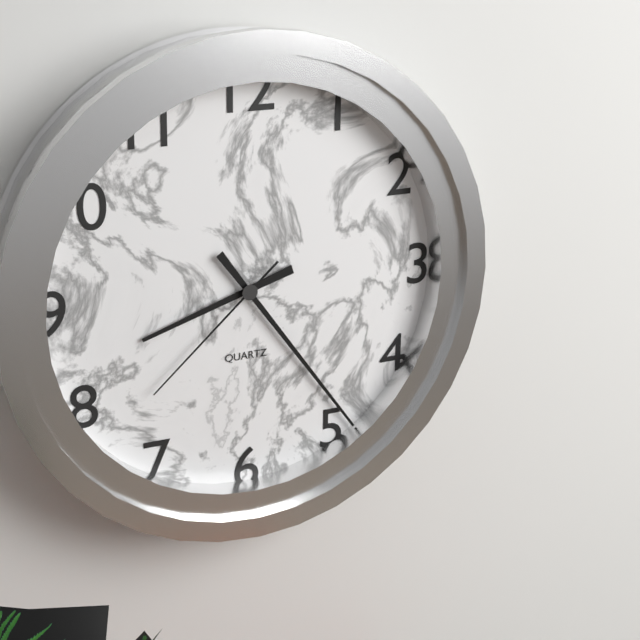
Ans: 8:24:38
